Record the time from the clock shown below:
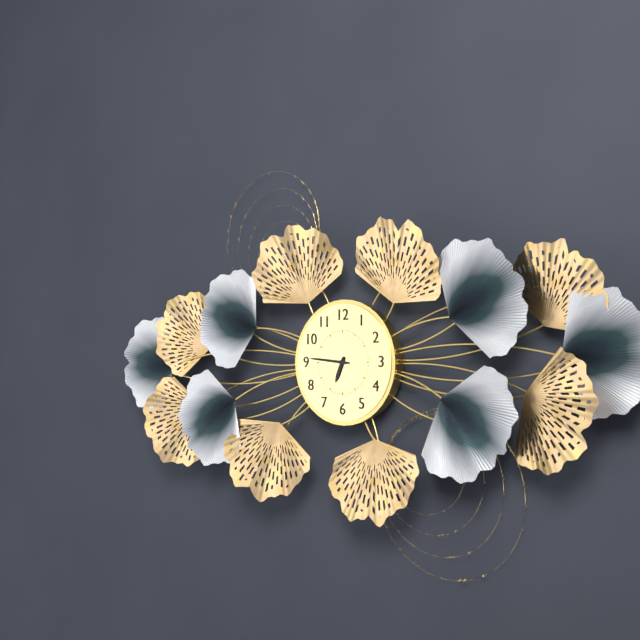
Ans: 6:46
